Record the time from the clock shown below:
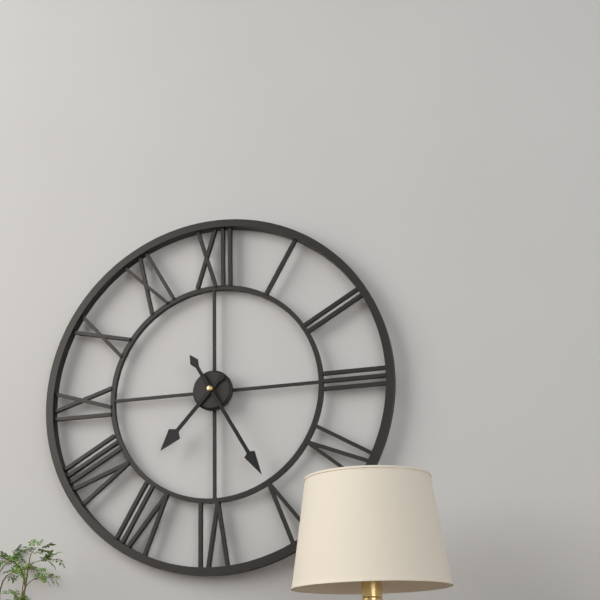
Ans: 7:25
